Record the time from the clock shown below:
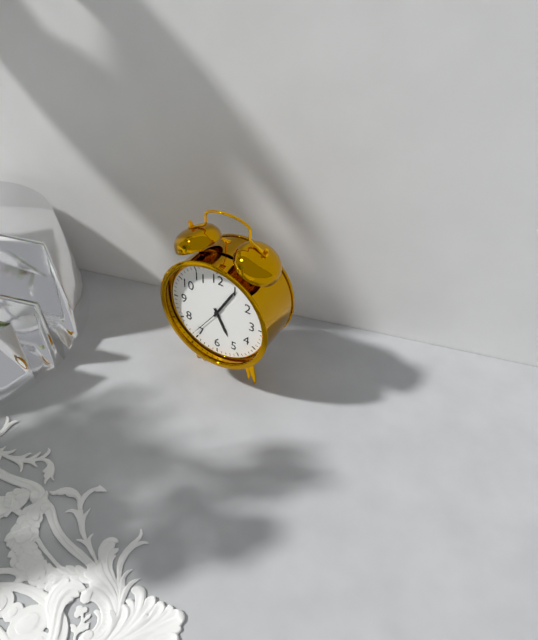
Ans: 5:05
